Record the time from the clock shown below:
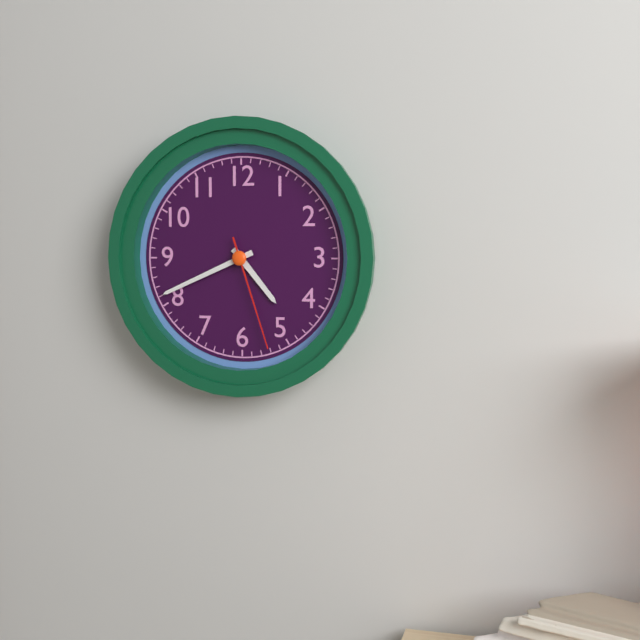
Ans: 4:41:27
